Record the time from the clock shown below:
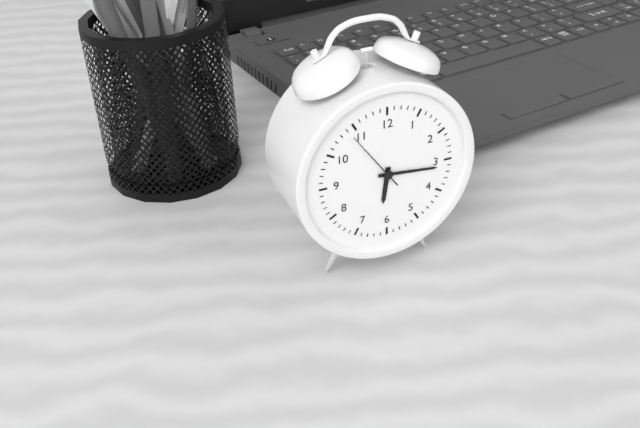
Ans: 6:16:54
